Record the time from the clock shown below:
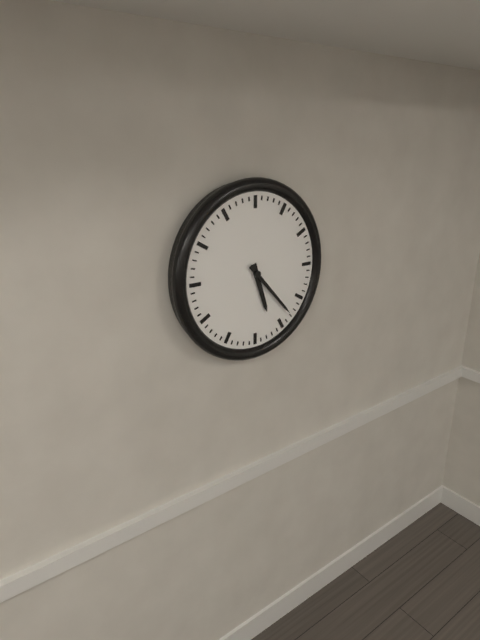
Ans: 5:23
